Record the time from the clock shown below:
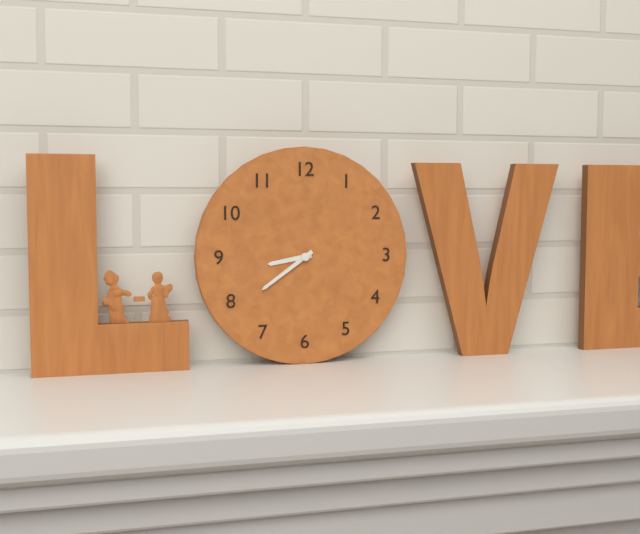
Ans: 8:39
